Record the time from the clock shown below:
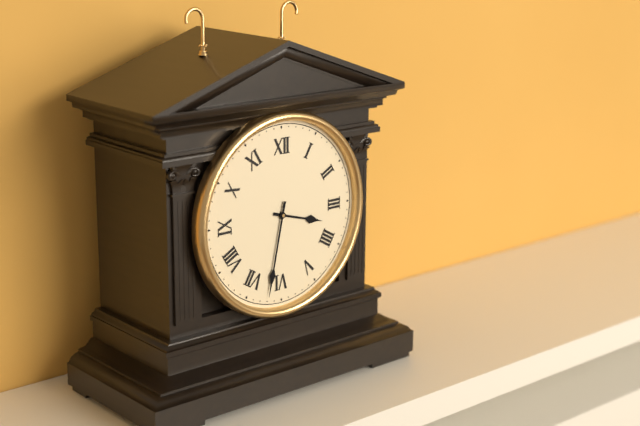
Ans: 3:32
